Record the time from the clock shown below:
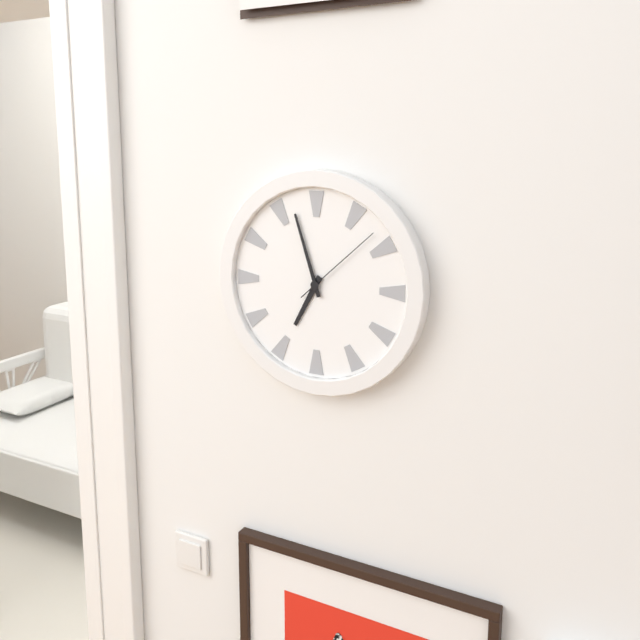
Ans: 6:57:08
